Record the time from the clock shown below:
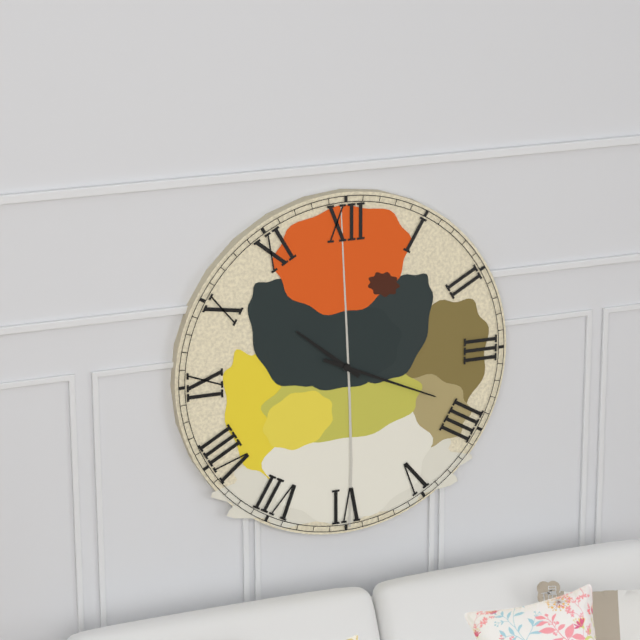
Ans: 10:19
